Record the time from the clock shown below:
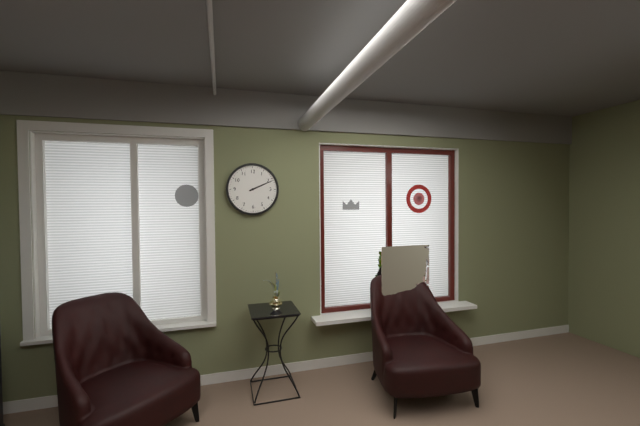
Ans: 2:11
